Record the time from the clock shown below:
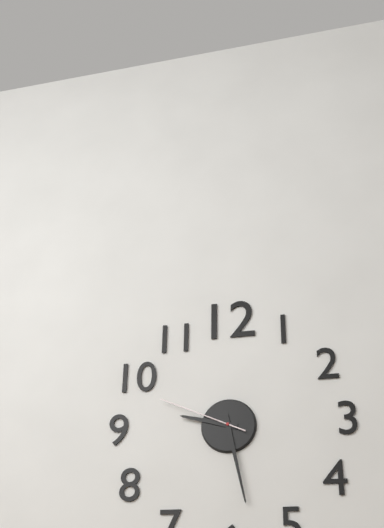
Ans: 9:28:49
